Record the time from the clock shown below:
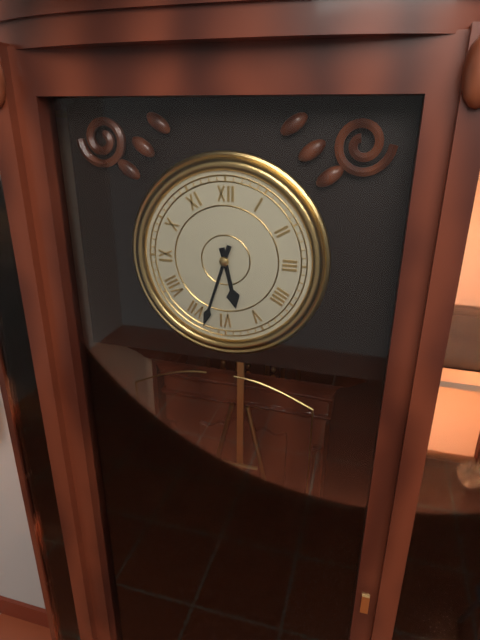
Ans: 5:33
